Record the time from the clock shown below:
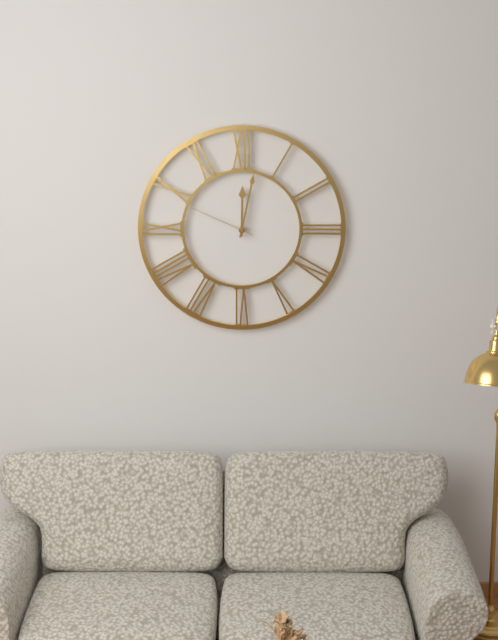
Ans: 12:02:49
